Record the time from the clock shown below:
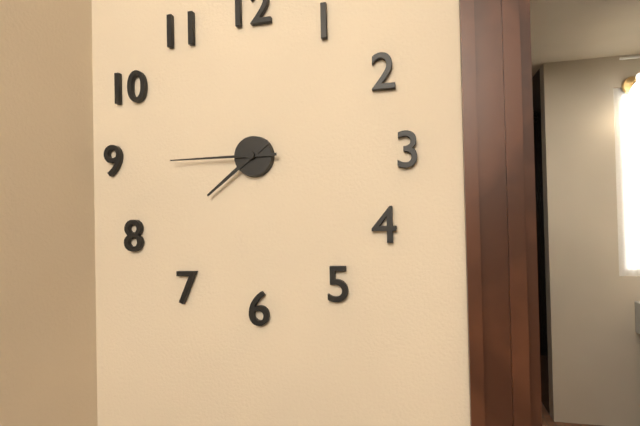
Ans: 7:45
